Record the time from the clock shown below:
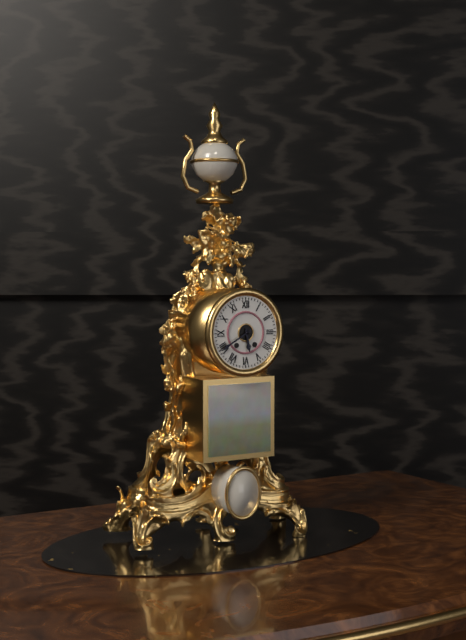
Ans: 5:40
